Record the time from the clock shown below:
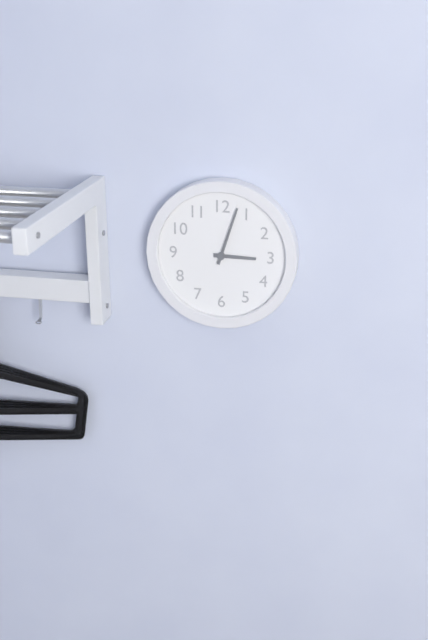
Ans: 3:03
